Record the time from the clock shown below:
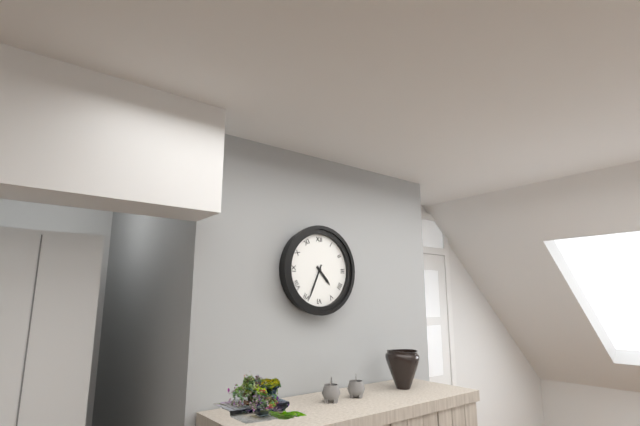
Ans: 4:34
